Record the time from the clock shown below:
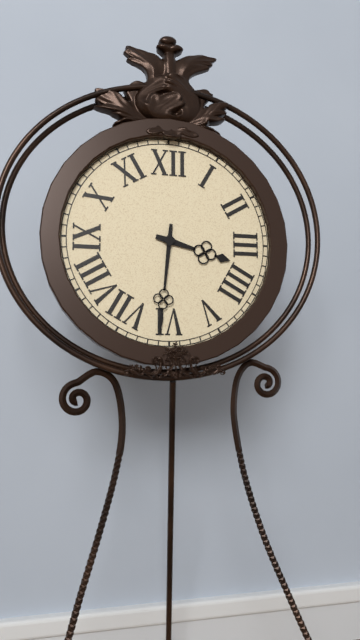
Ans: 3:31
